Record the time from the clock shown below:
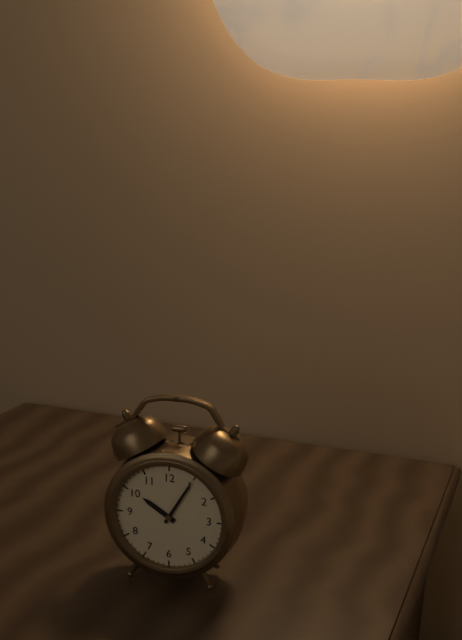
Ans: 10:05
